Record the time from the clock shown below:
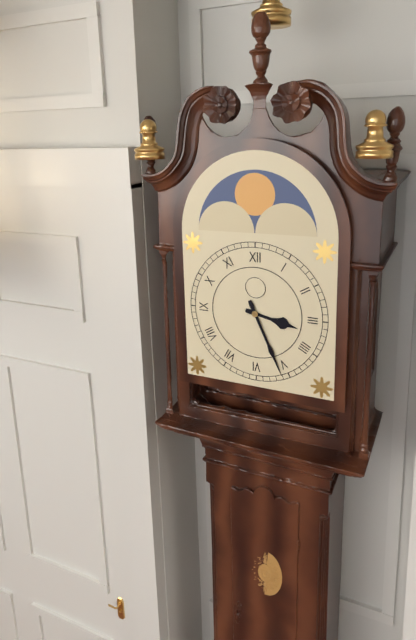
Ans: 3:26
